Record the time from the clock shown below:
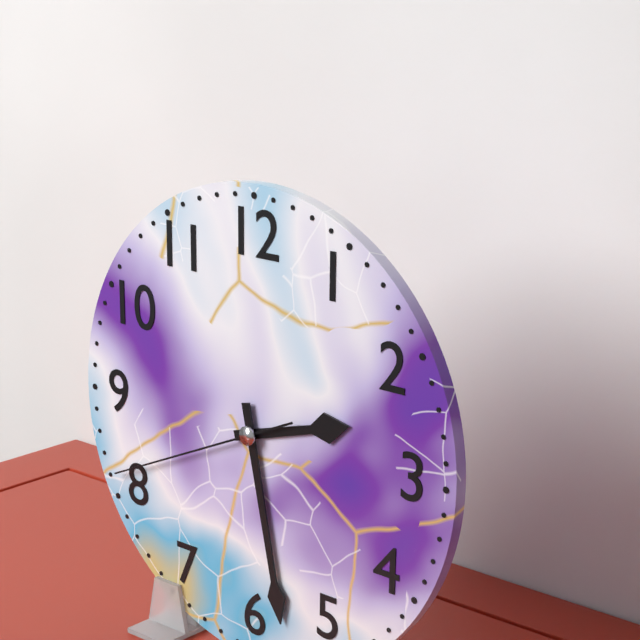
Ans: 2:28:41
